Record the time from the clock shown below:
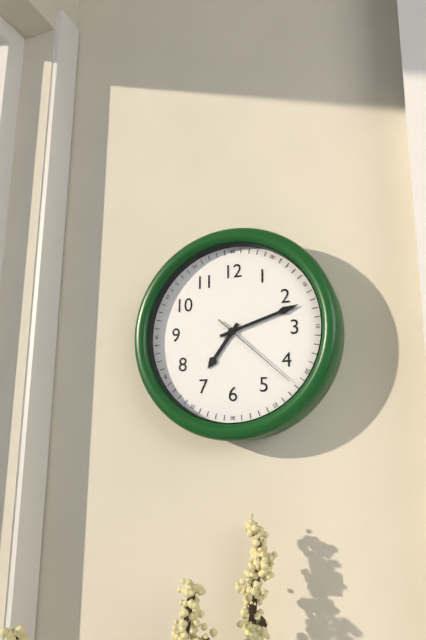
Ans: 7:12:22
